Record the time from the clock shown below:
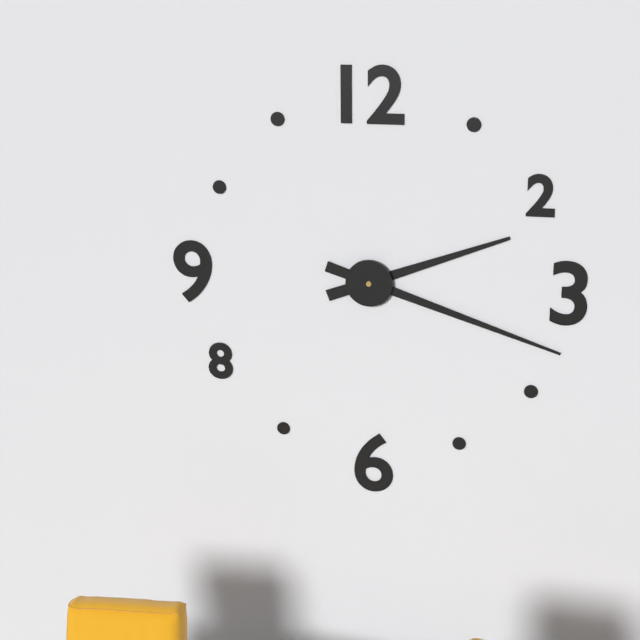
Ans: 2:18
